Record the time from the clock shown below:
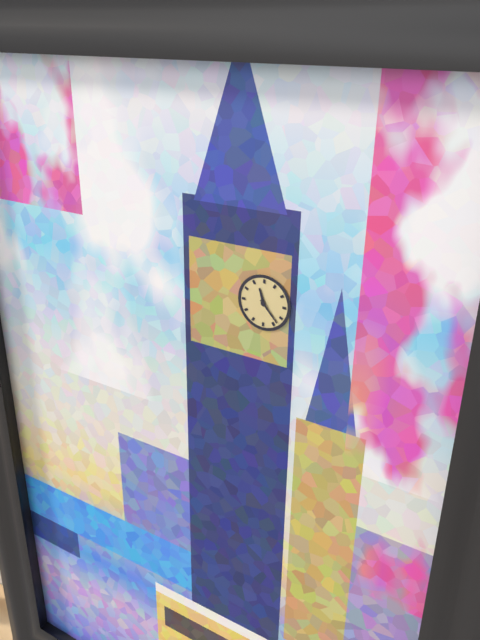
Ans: 11:23
